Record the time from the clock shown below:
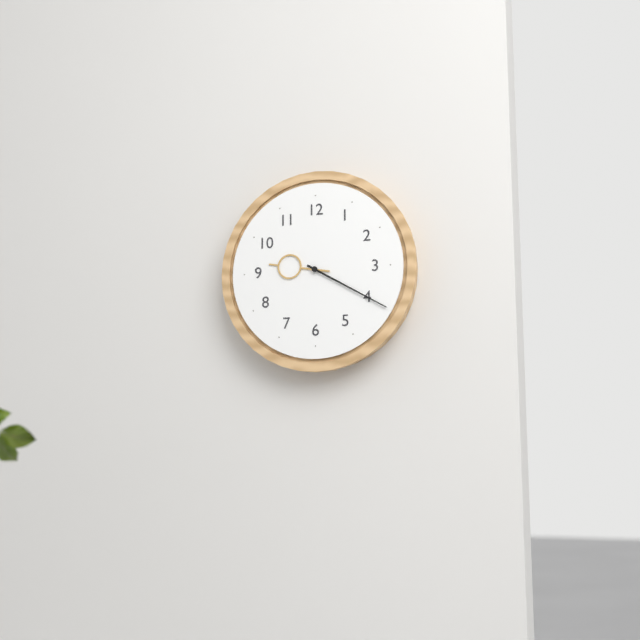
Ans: 9:20
